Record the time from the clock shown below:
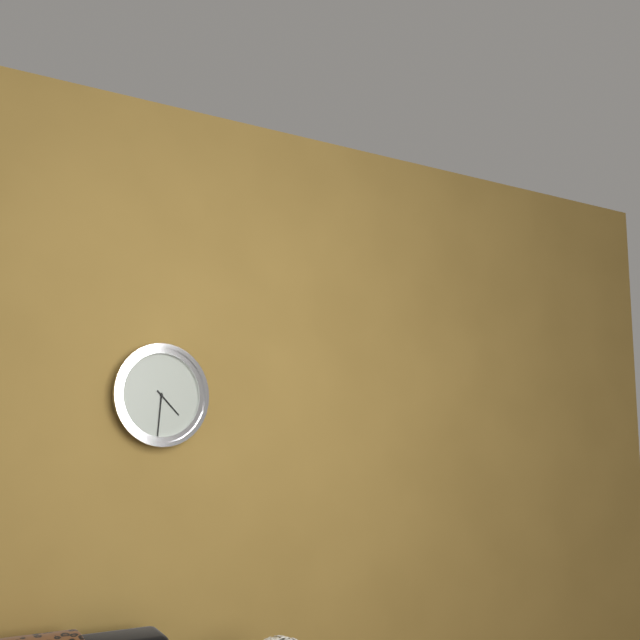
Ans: 4:31
